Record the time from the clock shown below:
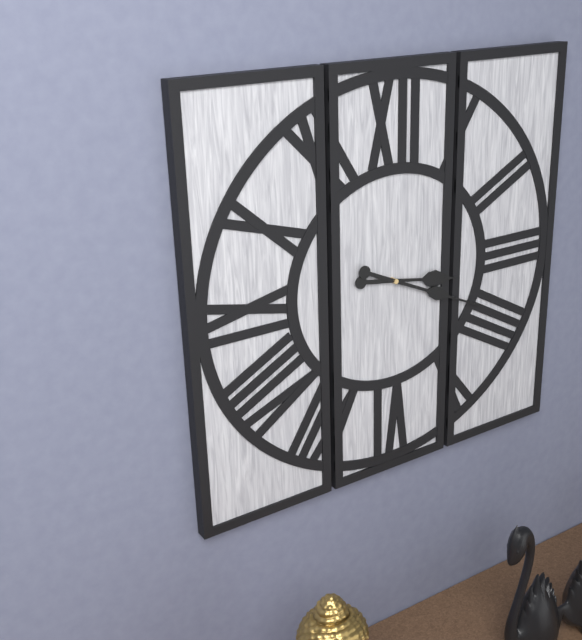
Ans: 3:19
